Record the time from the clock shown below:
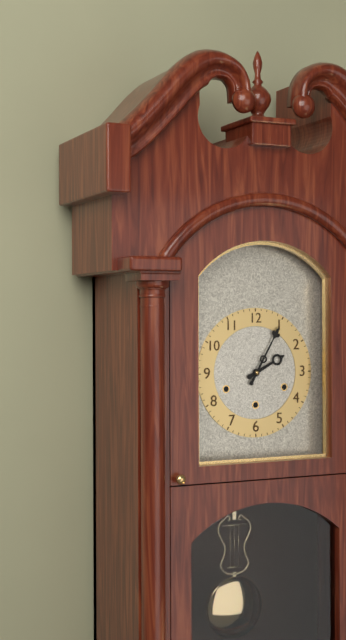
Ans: 2:05
